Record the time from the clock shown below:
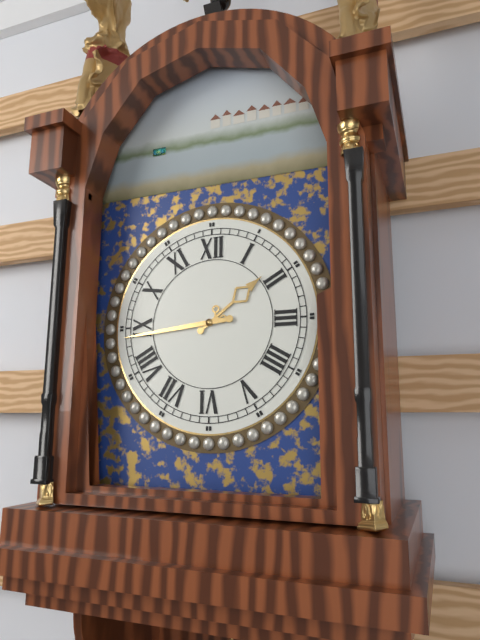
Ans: 1:44
